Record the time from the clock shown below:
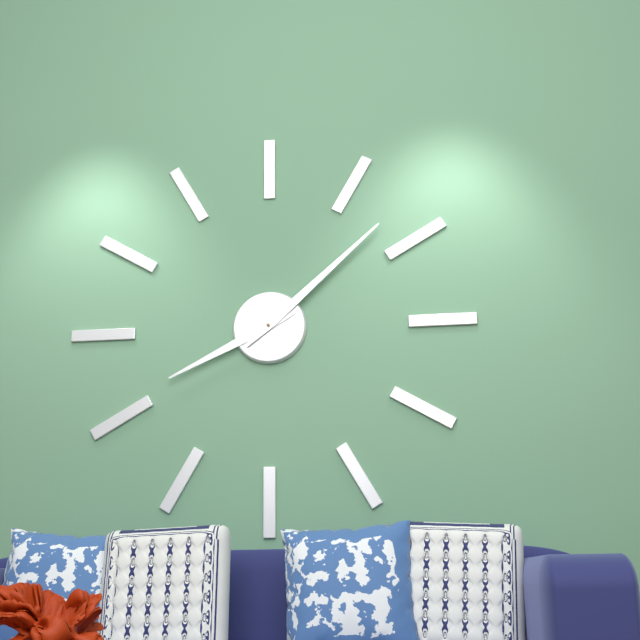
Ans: 8:08
